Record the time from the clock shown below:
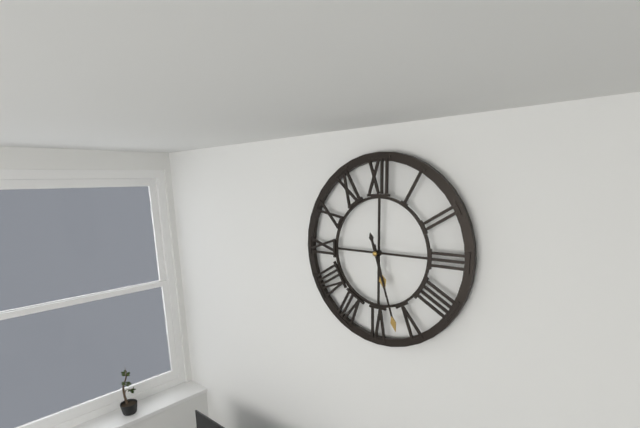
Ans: 5:27
